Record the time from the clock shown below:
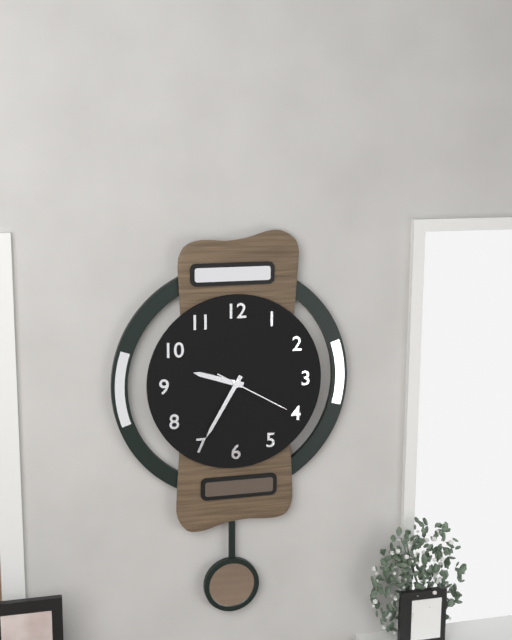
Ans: 9:35:20
